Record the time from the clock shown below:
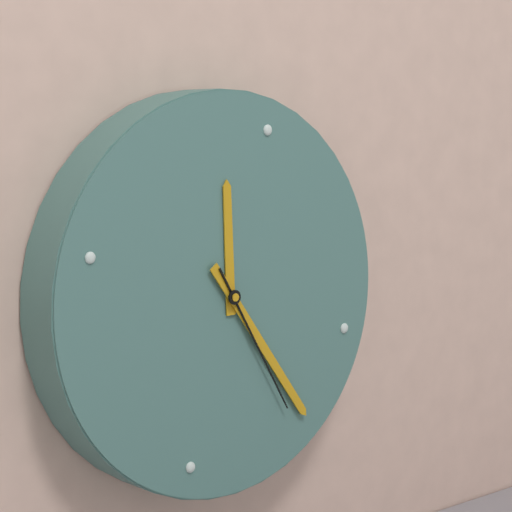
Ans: 11:21:22
